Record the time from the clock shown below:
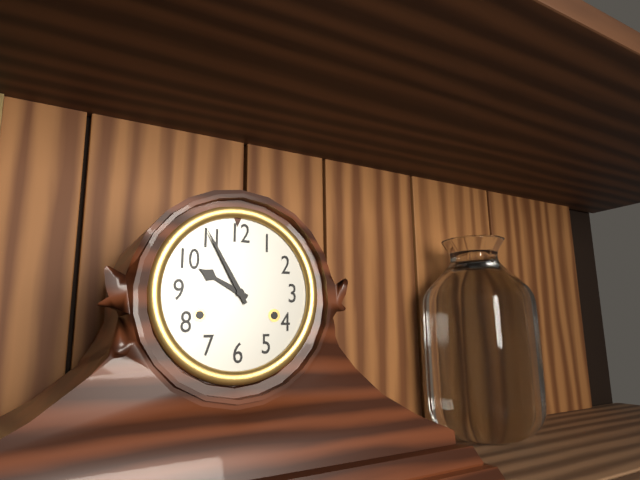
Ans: 9:55
